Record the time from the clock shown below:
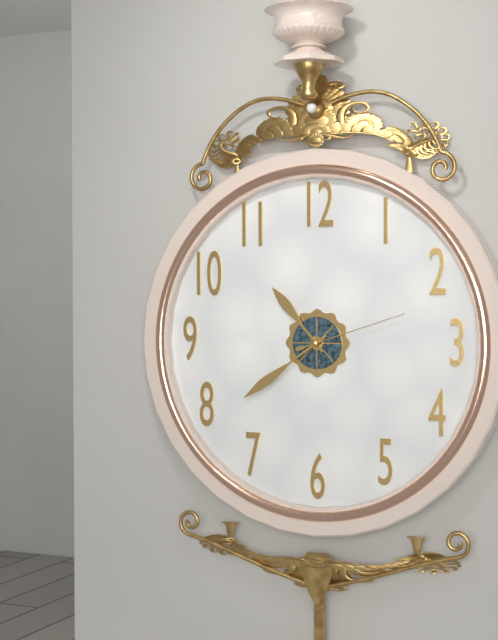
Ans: 10:39:12
